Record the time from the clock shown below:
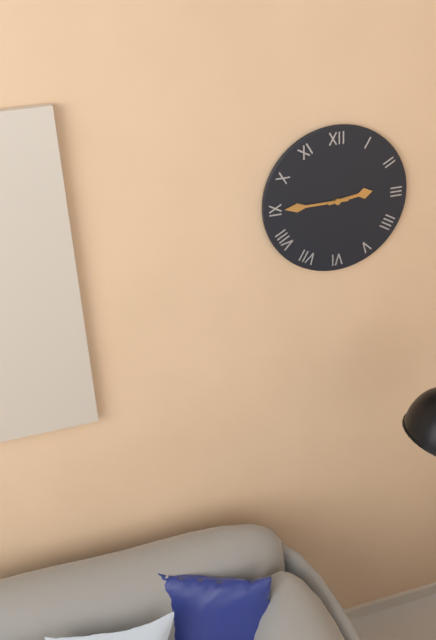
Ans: 2:45
